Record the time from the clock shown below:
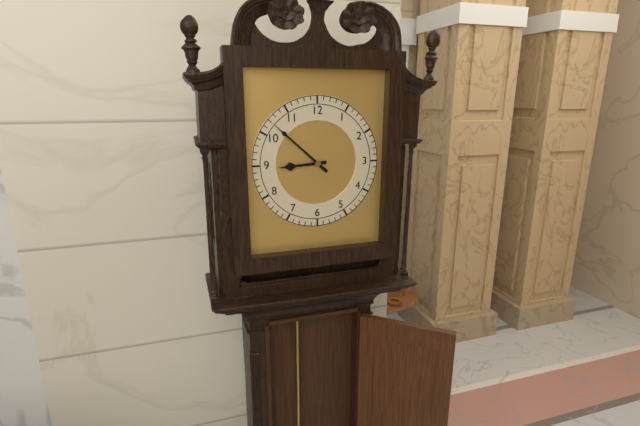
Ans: 8:52
